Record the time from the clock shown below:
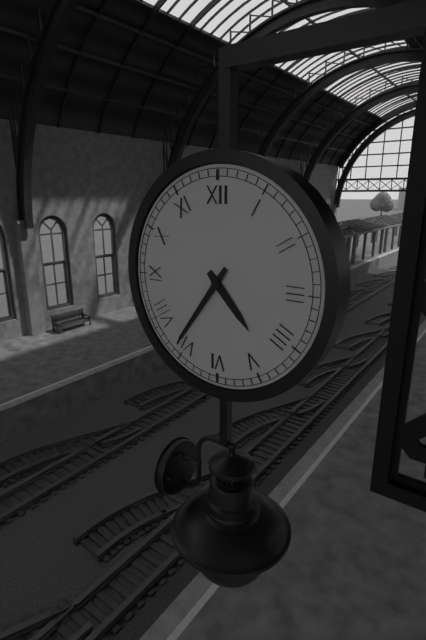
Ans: 4:36
